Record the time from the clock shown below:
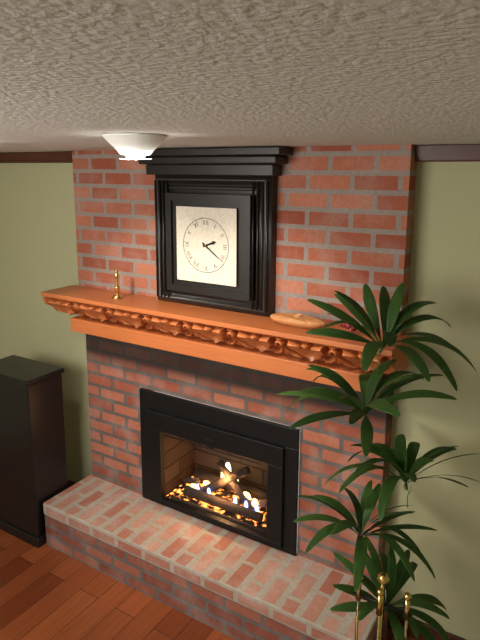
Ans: 2:21
